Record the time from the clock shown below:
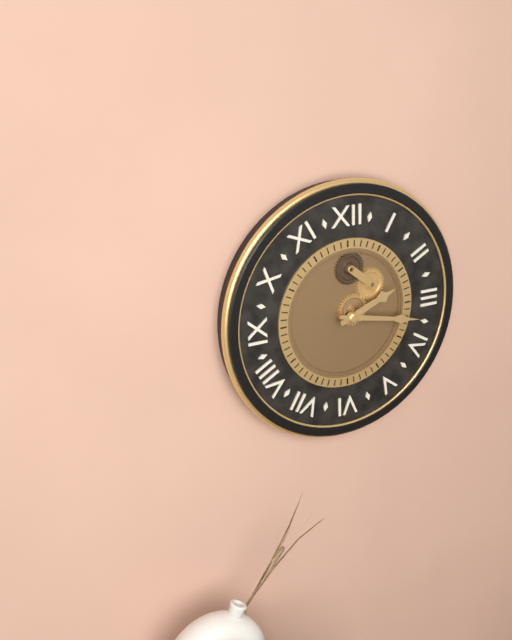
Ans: 2:17
